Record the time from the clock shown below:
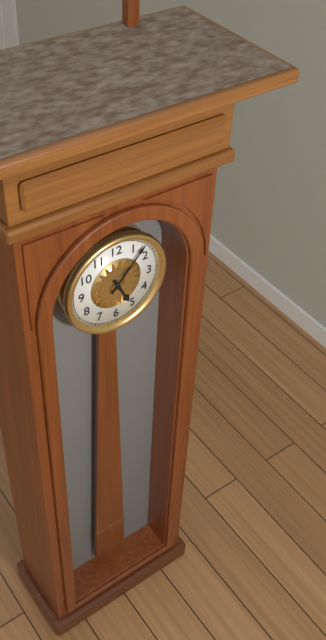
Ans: 5:07
